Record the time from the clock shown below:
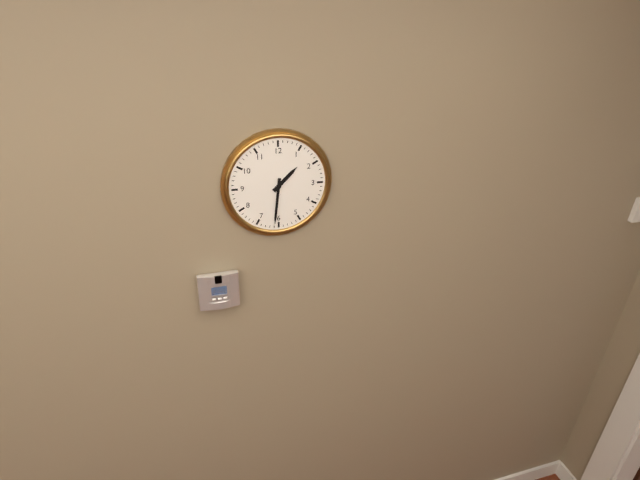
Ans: 1:31
